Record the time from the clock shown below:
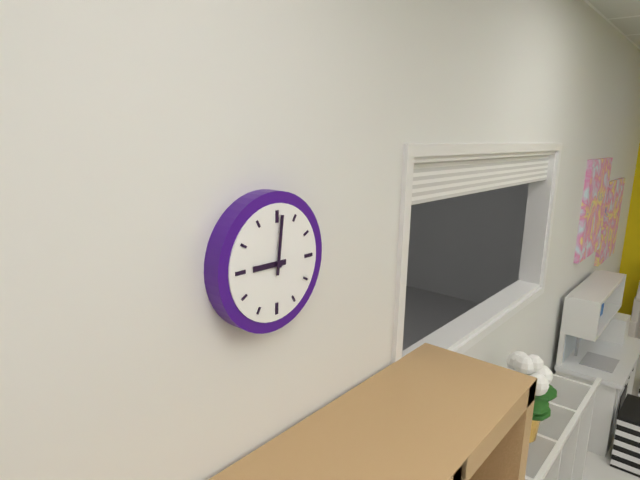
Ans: 9:01
